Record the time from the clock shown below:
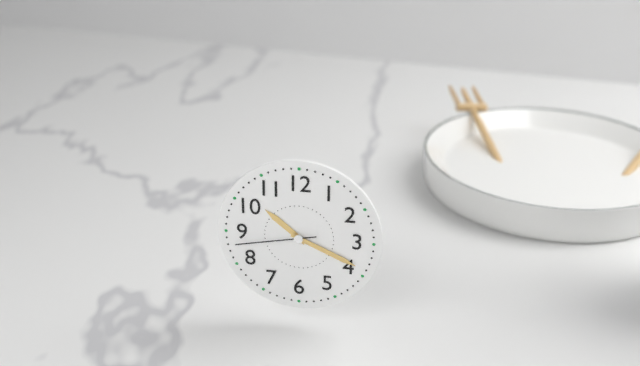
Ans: 10:19:43
